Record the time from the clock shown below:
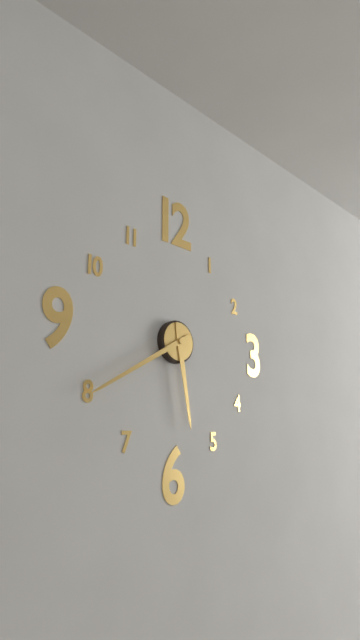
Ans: 5:40
